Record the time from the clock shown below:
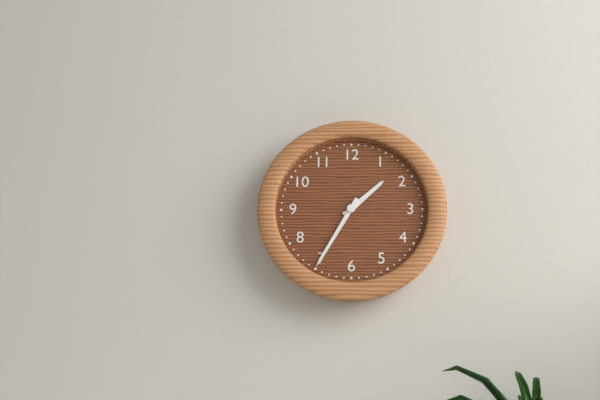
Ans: 1:35
